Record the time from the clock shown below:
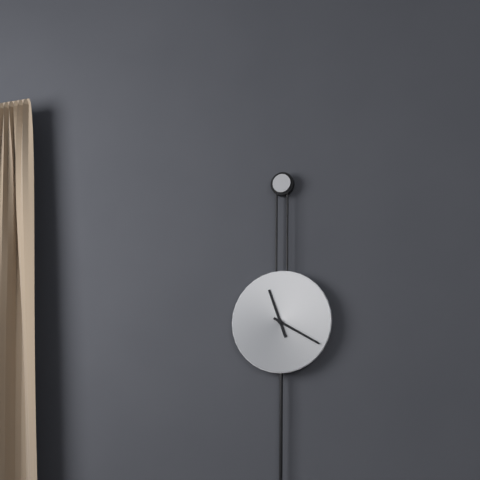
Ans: 11:20
